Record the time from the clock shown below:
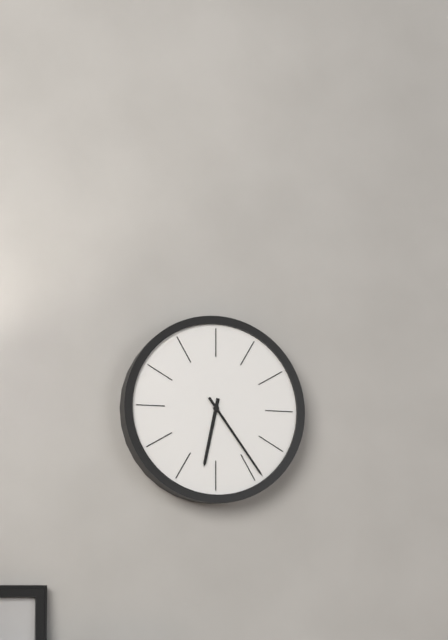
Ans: 6:24
